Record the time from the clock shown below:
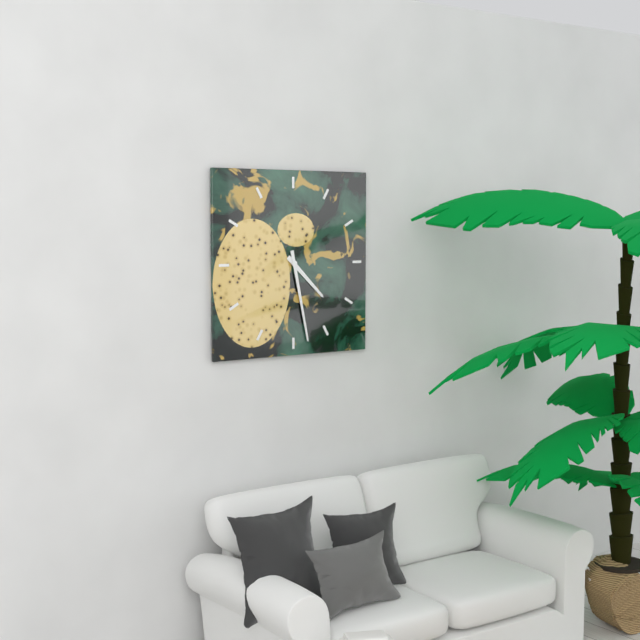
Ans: 4:28
